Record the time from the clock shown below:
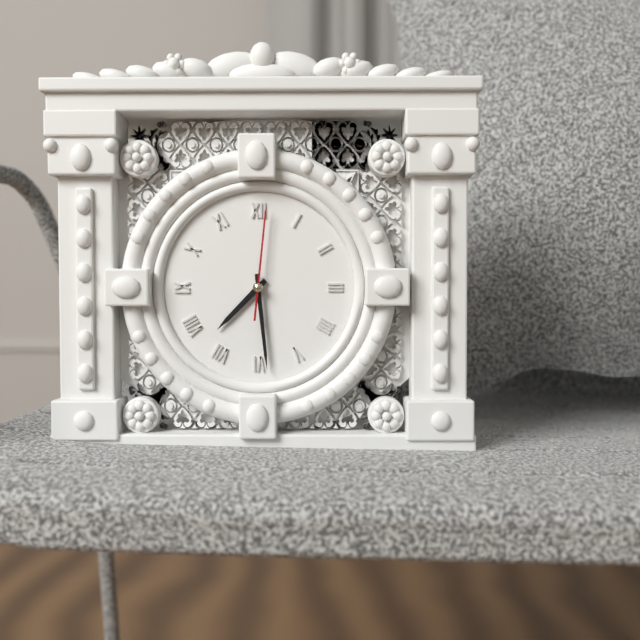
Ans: 7:29:01
